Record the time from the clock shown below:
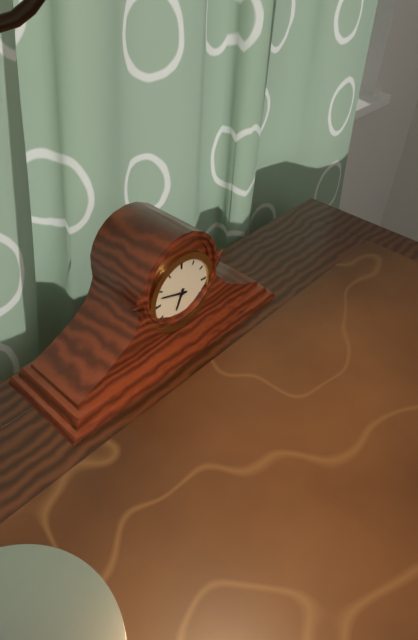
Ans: 6:48
